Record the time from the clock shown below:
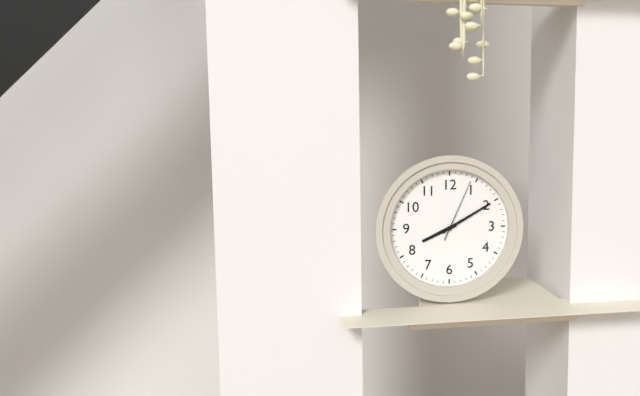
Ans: 8:10:04
